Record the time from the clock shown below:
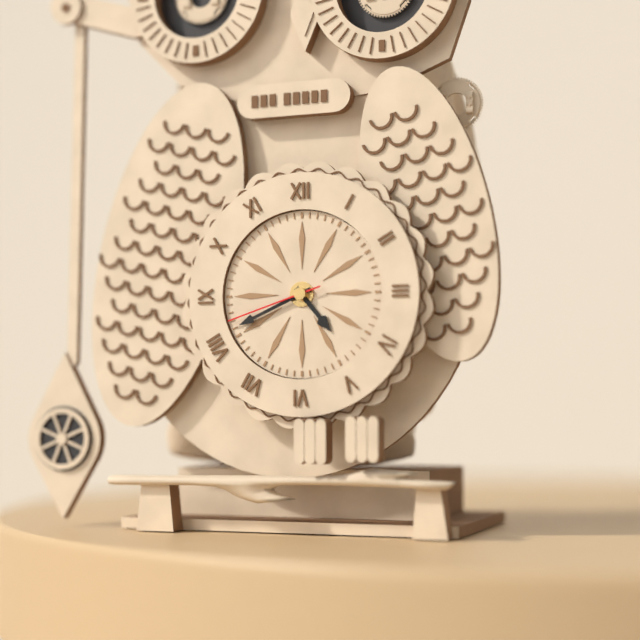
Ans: 4:41:42
